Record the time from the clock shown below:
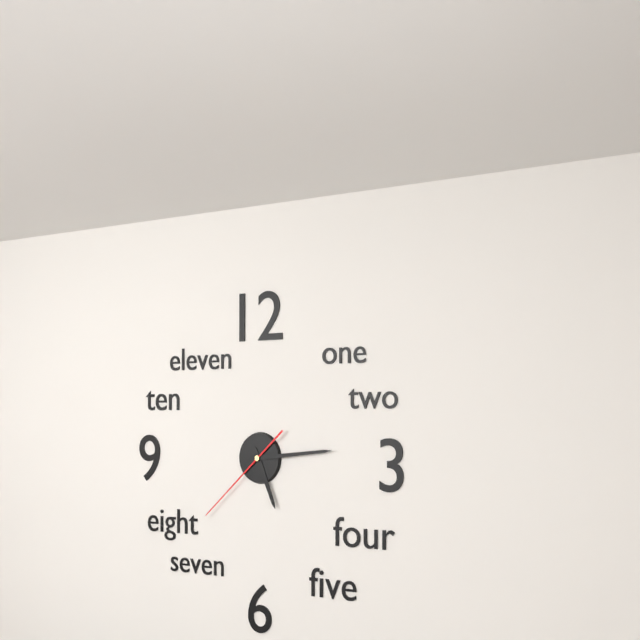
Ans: 5:14:38
